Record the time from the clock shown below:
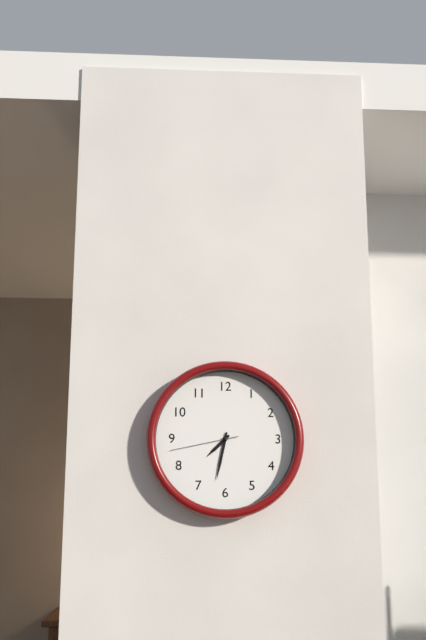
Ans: 7:32:43
